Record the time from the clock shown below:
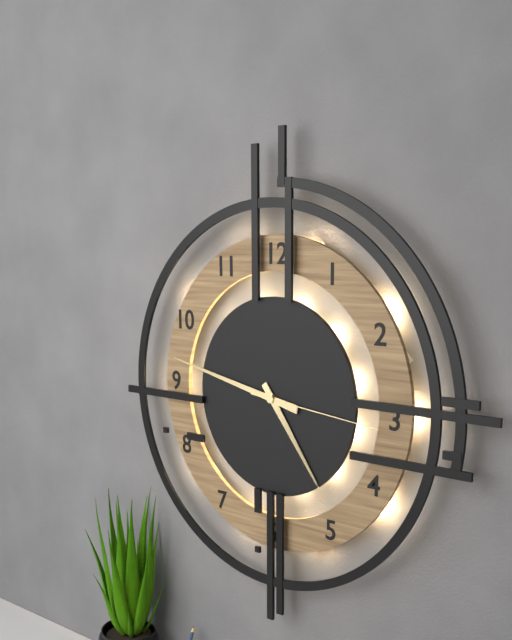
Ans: 4:47:16
